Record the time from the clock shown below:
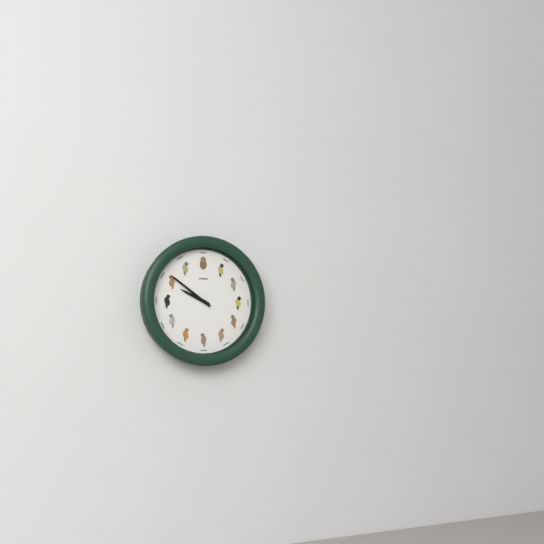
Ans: 9:51
